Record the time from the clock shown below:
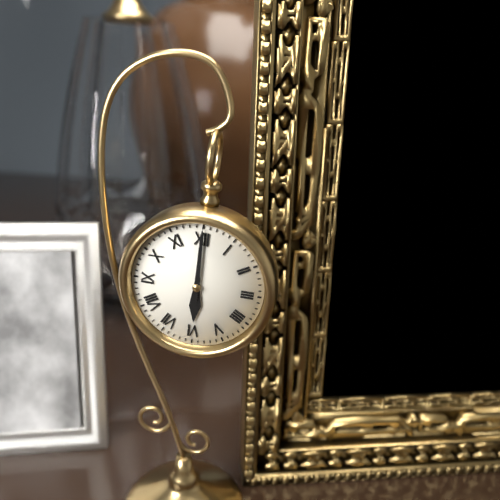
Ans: 6:00
